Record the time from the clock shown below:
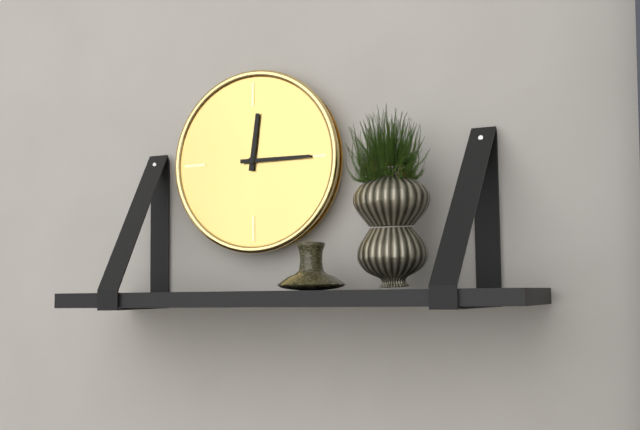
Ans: 12:15
